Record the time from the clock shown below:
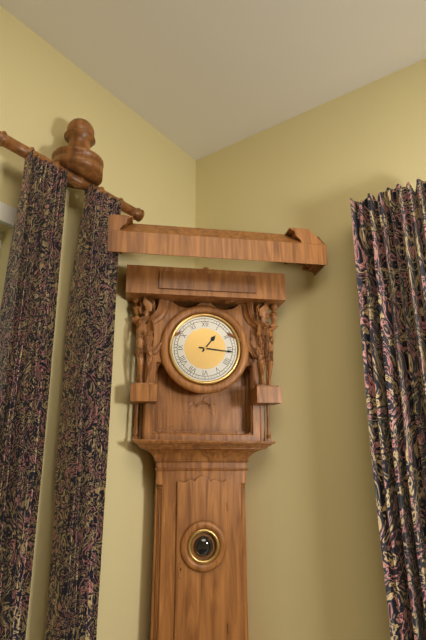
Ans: 1:16
